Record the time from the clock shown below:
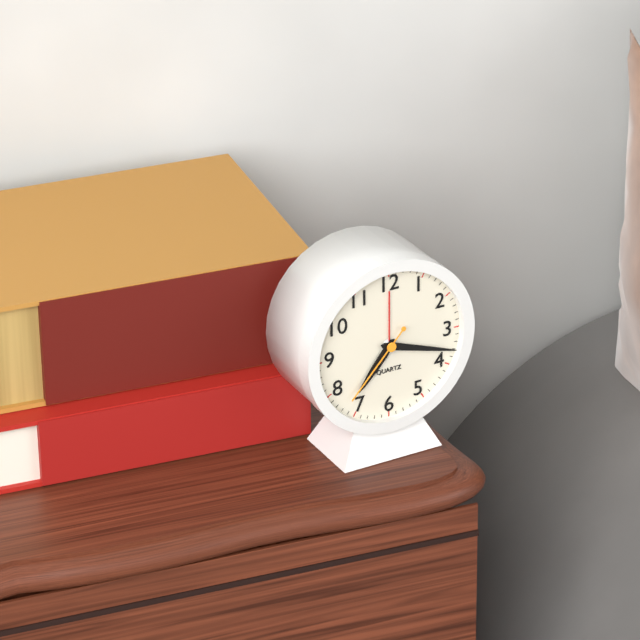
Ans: 7:18:37
